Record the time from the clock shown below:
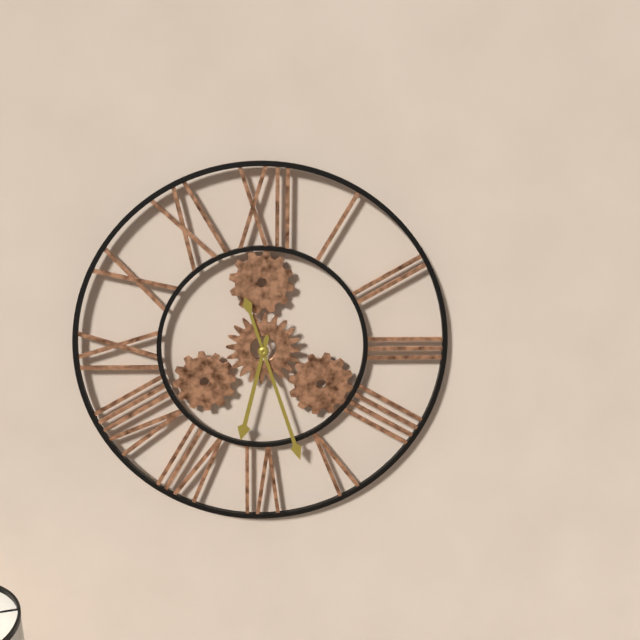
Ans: 6:27
